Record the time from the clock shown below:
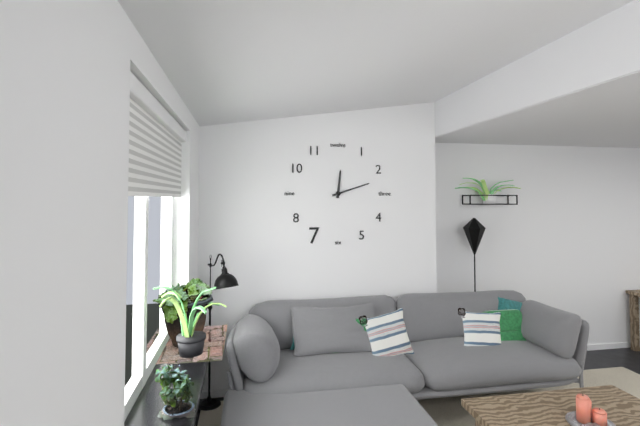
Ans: 12:12
